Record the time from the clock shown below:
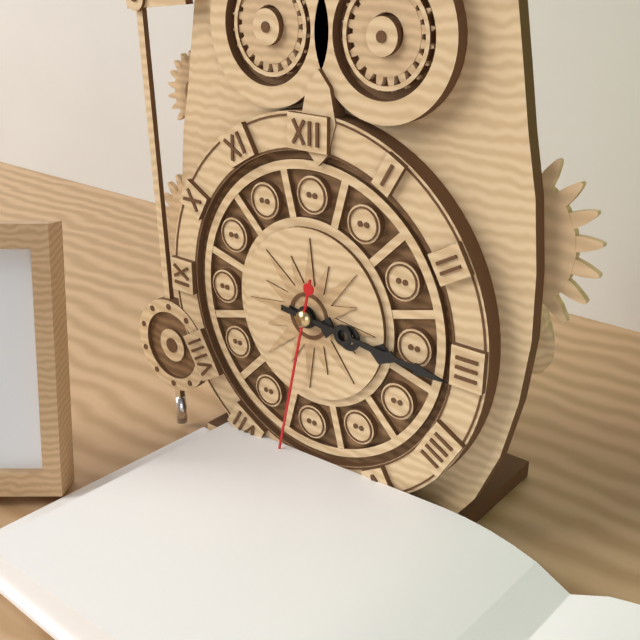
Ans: 3:16:32
